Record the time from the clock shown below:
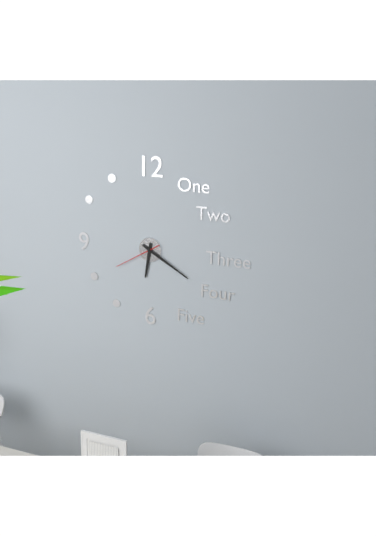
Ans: 6:20
